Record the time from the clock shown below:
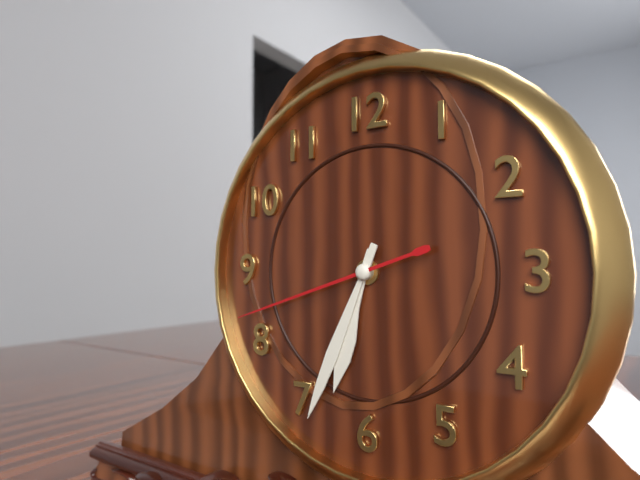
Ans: 6:34:42
